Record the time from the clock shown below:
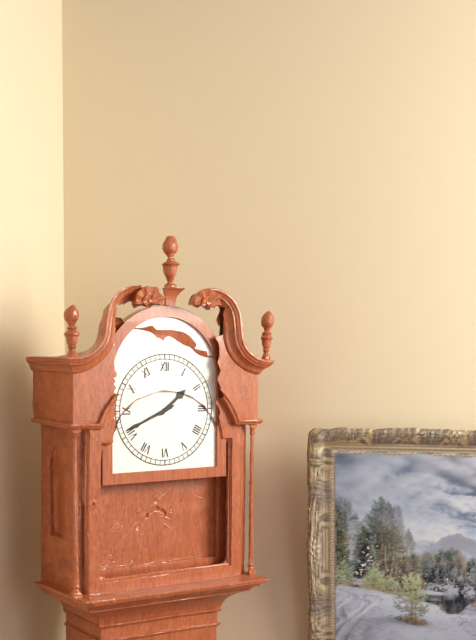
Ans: 1:41
